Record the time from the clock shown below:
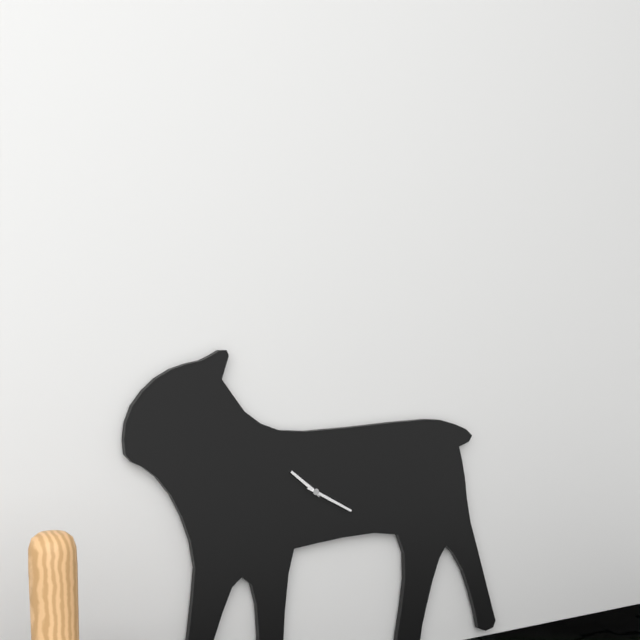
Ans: 10:20
